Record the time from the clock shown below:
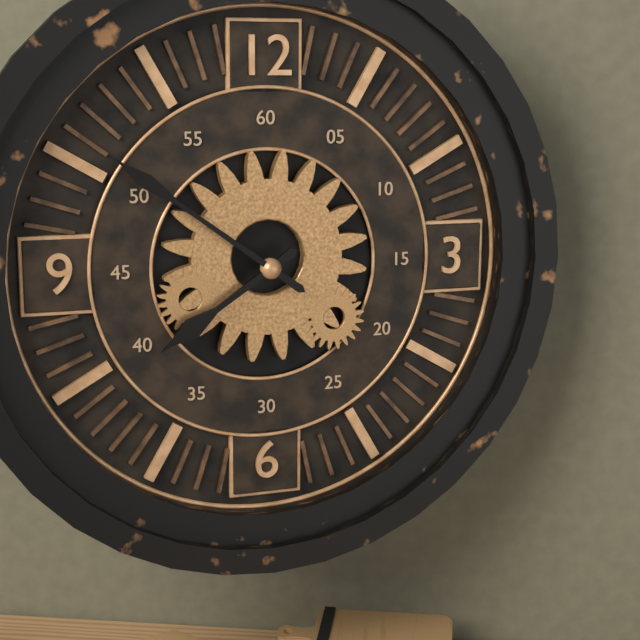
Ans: 7:51
